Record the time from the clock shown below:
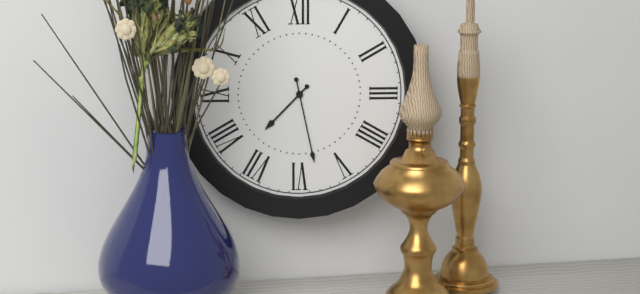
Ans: 7:28
